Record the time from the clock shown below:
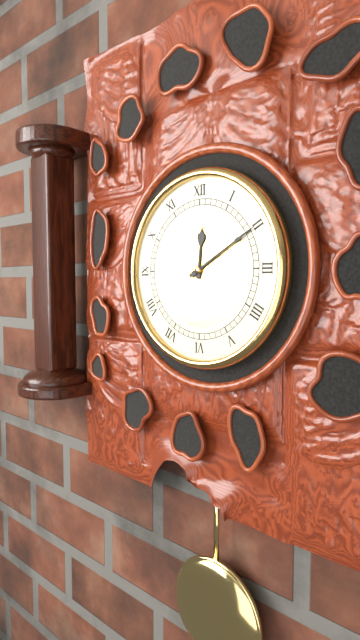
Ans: 12:10
